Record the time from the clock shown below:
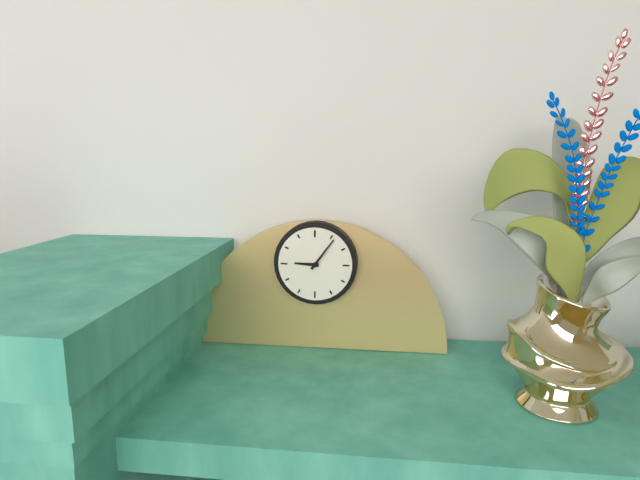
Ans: 9:06
